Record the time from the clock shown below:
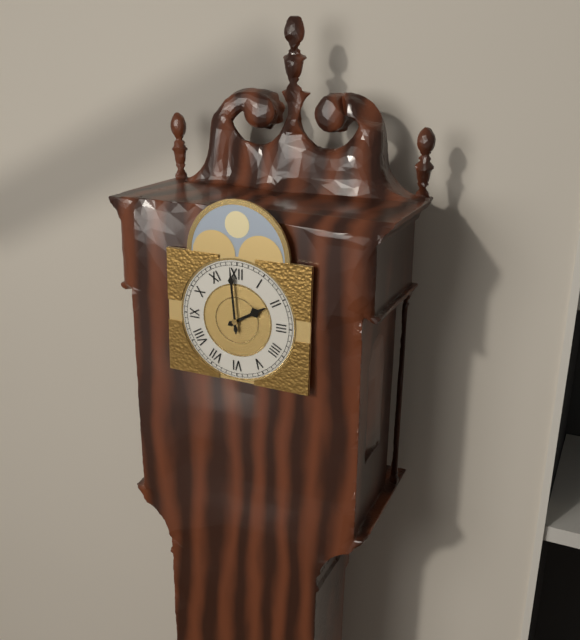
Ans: 1:59
